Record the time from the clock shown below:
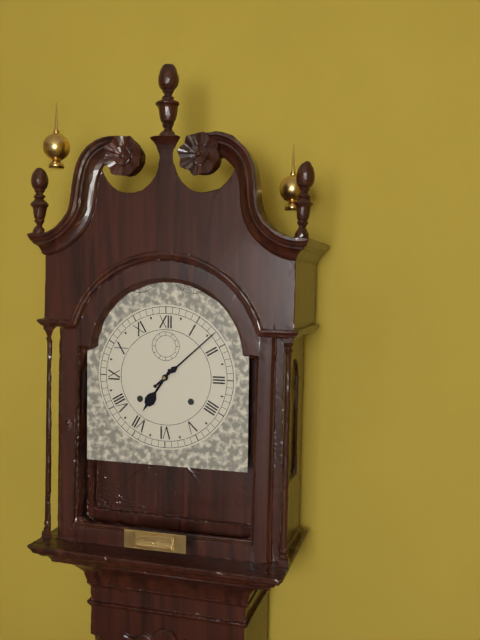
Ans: 7:08
